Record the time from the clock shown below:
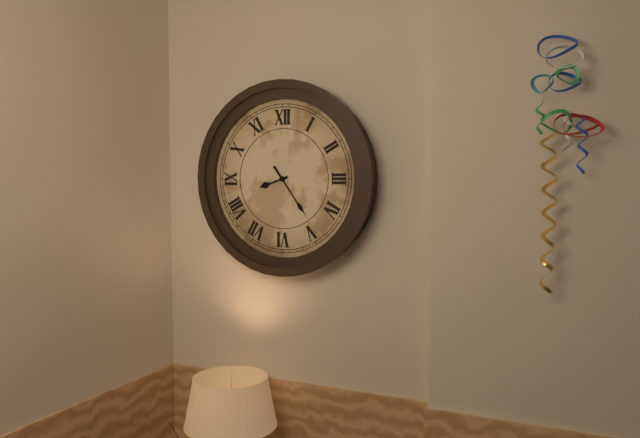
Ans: 8:24
